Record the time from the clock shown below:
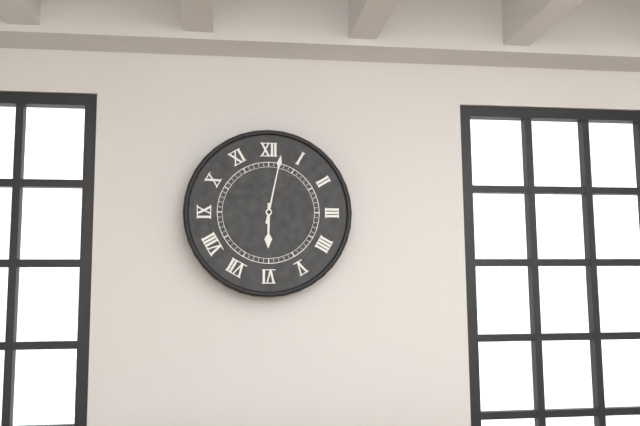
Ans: 6:02
